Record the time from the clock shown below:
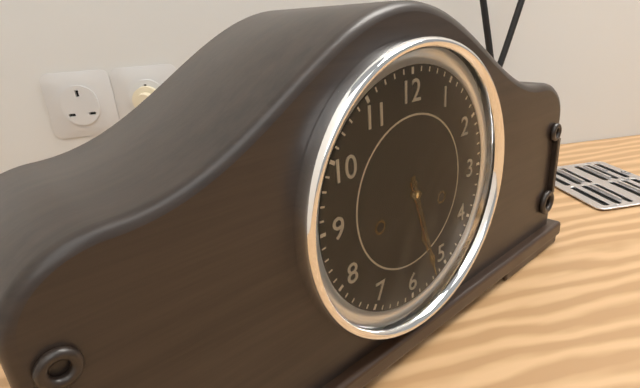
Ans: 5:27
